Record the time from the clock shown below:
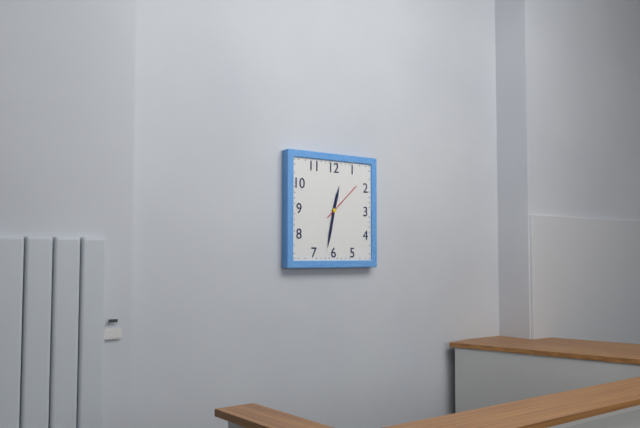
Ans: 12:32
